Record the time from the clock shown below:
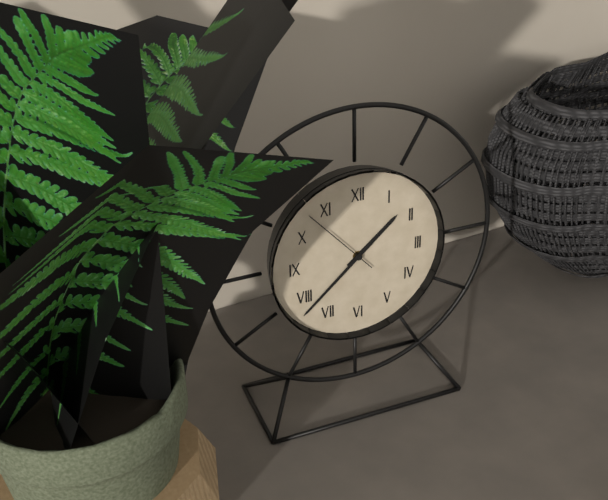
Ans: 1:38:53
